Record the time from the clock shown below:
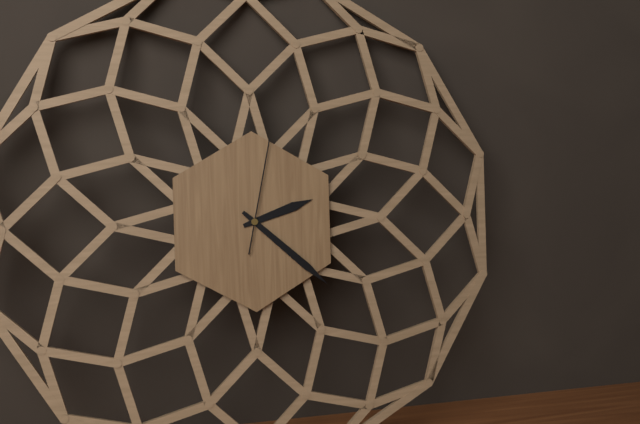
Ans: 2:22:02
